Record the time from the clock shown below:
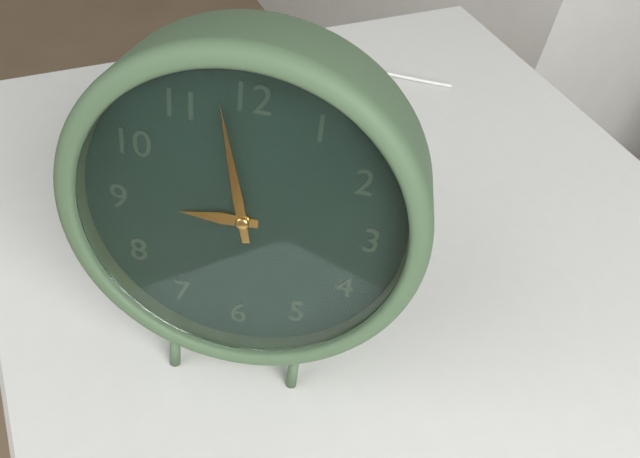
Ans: 8:58
